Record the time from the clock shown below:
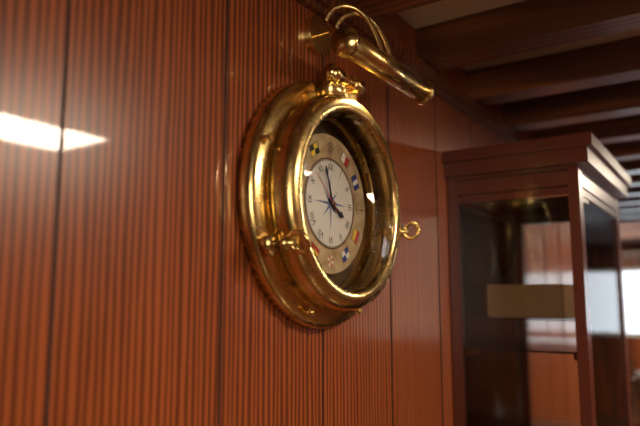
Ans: 3:57
